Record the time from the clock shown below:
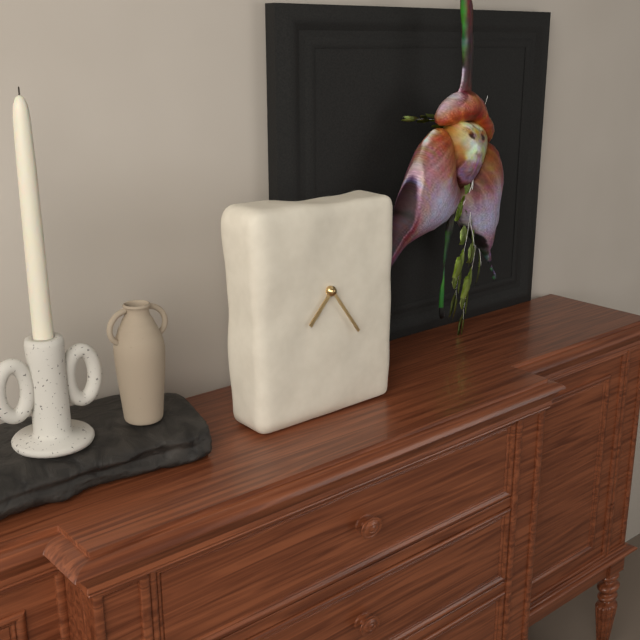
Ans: 7:24
